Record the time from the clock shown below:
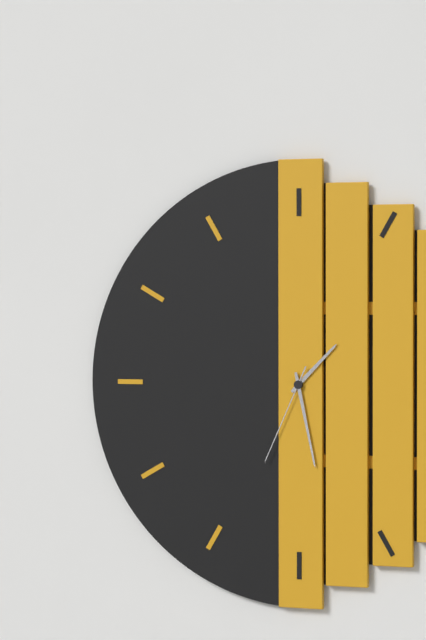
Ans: 1:28:34
